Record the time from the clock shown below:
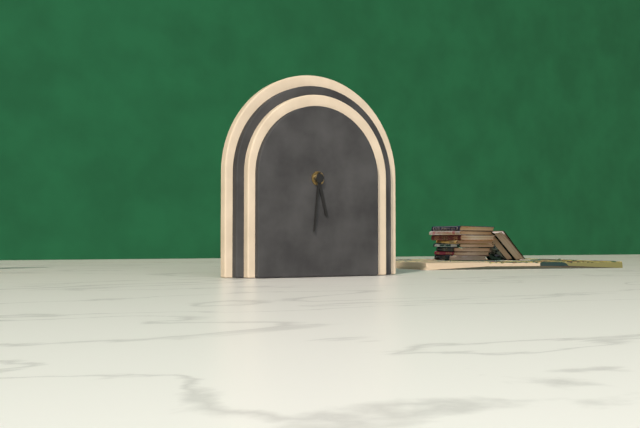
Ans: 5:31
